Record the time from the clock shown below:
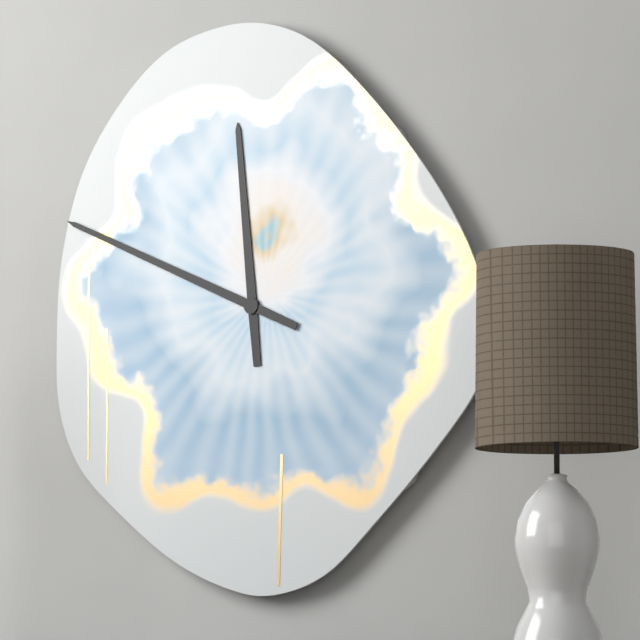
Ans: 11:49
